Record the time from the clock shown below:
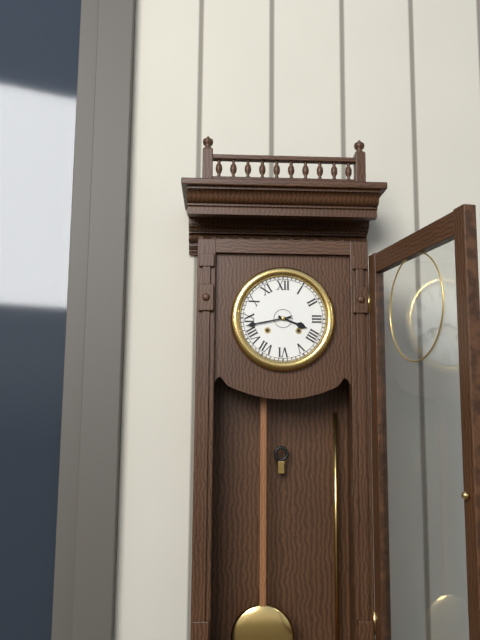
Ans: 3:43
